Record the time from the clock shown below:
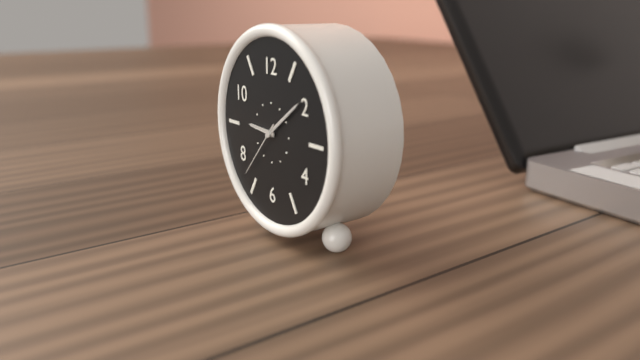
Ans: 9:09:37
